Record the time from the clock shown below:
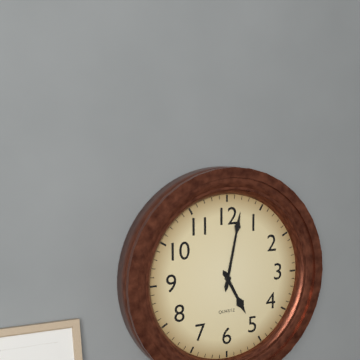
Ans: 5:02
